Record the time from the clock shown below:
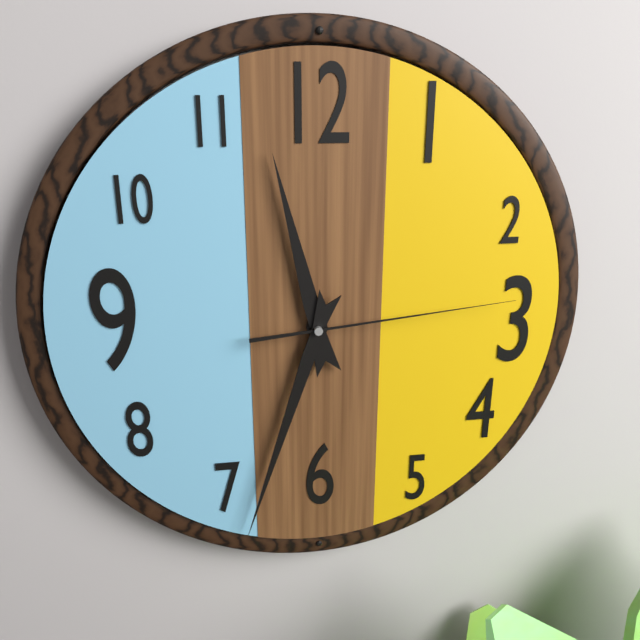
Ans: 11:33:14
